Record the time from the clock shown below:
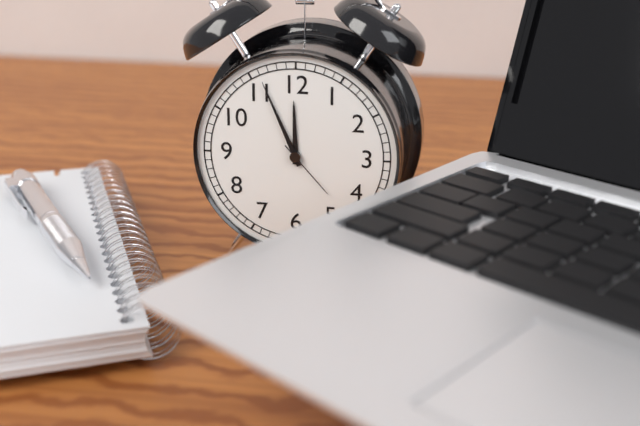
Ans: 11:56:23
